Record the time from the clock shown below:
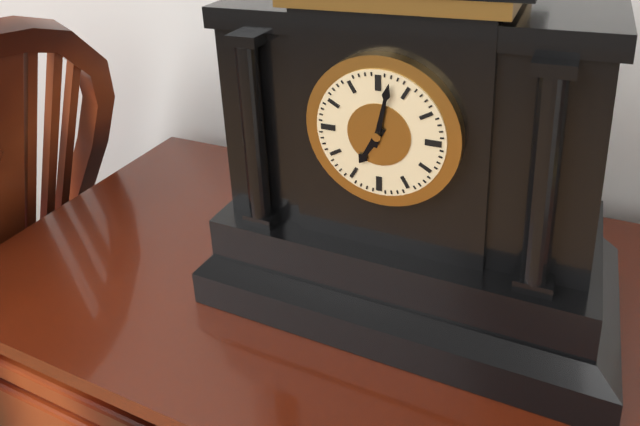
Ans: 7:02
